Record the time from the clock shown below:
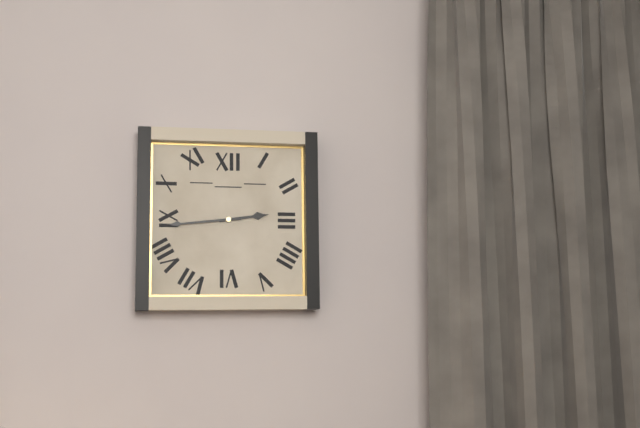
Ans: 2:44
